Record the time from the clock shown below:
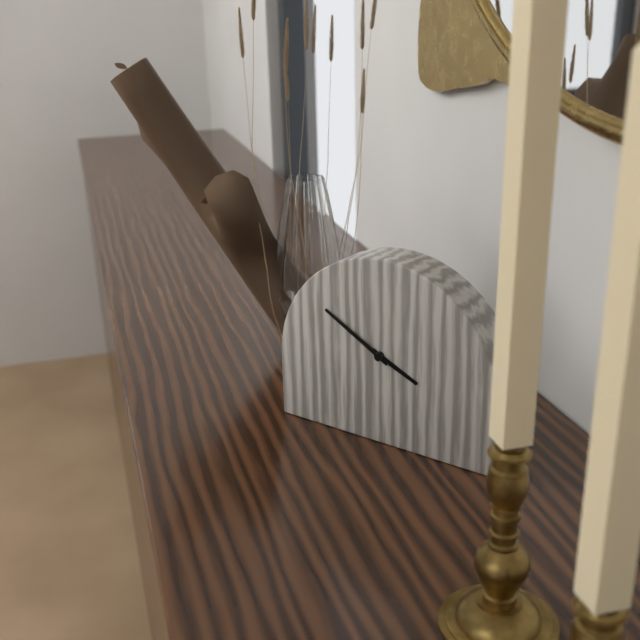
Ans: 3:50
